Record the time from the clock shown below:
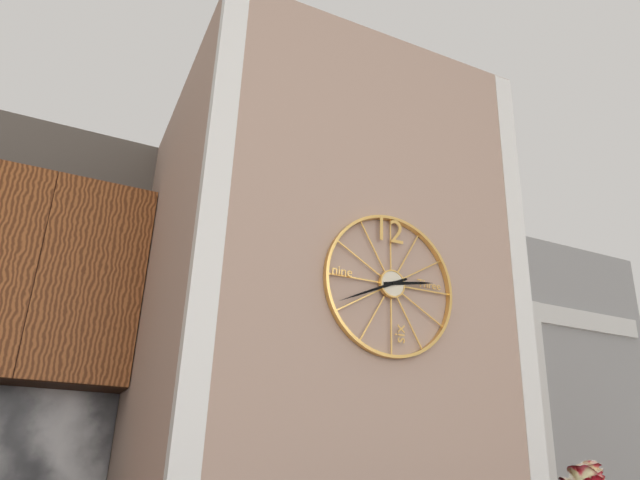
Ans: 2:41
